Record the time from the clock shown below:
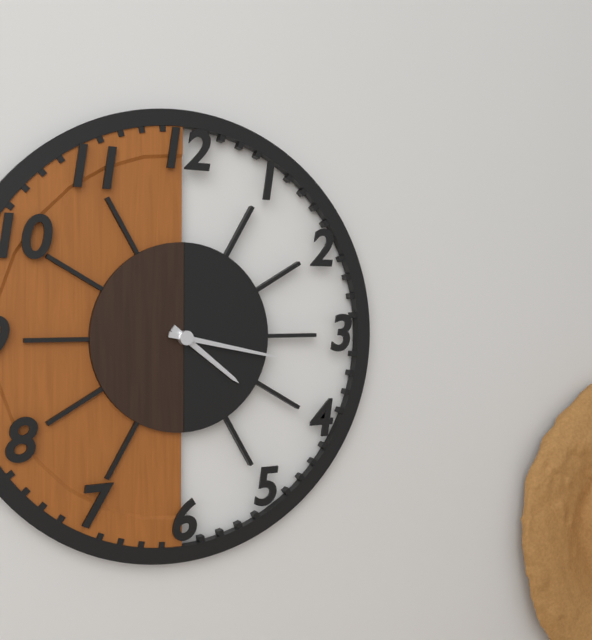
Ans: 4:17
